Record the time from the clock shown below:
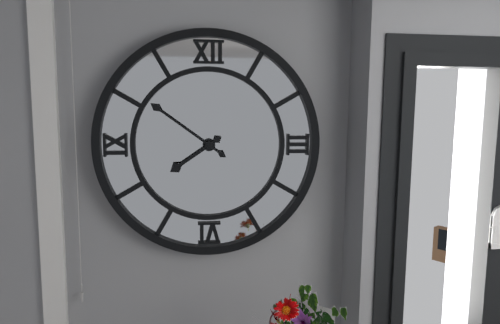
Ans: 7:51
